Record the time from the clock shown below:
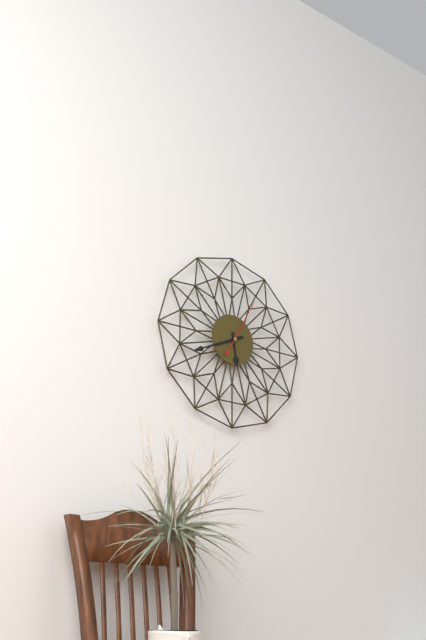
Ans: 5:41:05
